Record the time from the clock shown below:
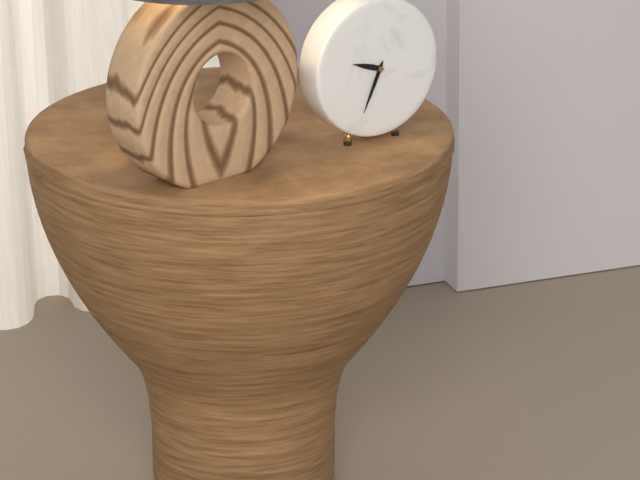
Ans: 9:34
